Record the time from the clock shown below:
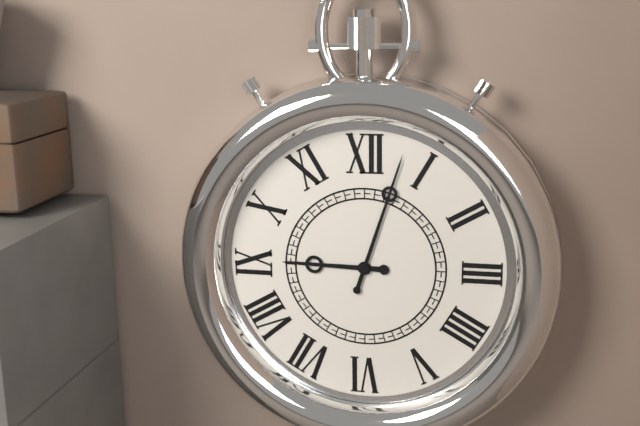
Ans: 9:03
